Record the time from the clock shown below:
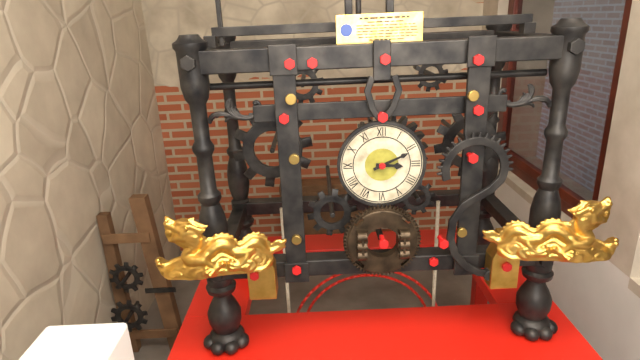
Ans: 3:11
